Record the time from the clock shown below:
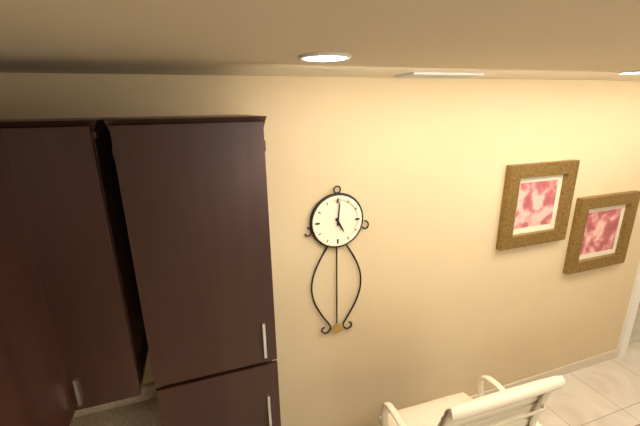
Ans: 5:01
